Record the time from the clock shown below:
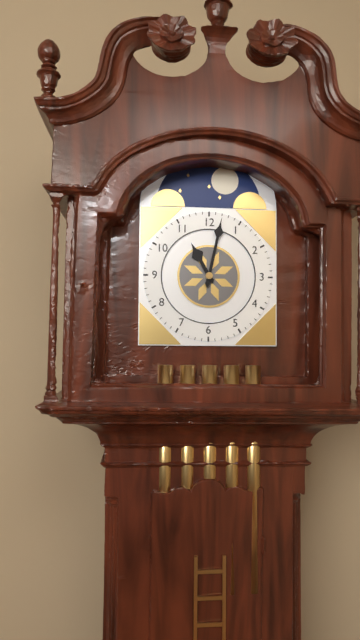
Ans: 11:02
